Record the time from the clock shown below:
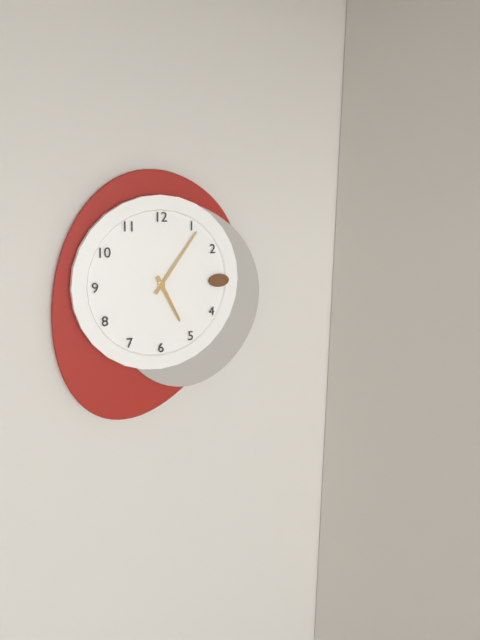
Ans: 5:06
